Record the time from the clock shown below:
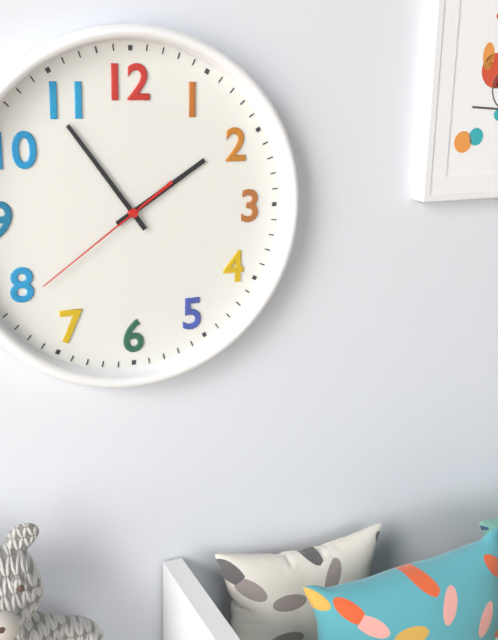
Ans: 1:54:39
